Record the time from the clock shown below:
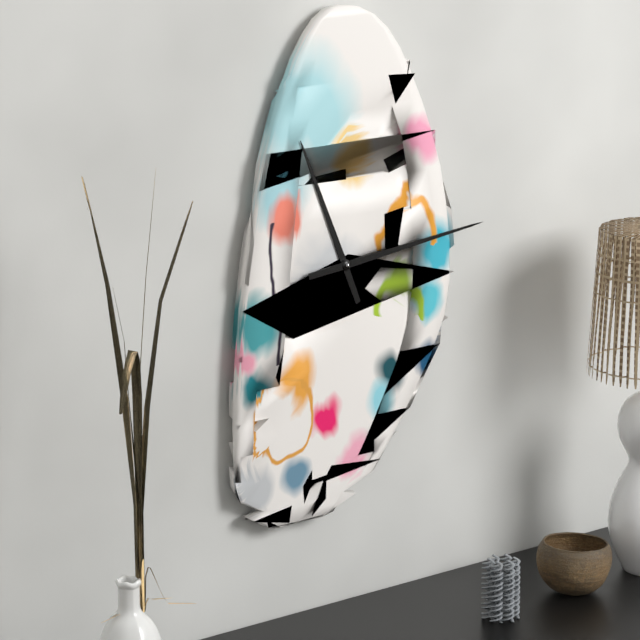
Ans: 11:14
